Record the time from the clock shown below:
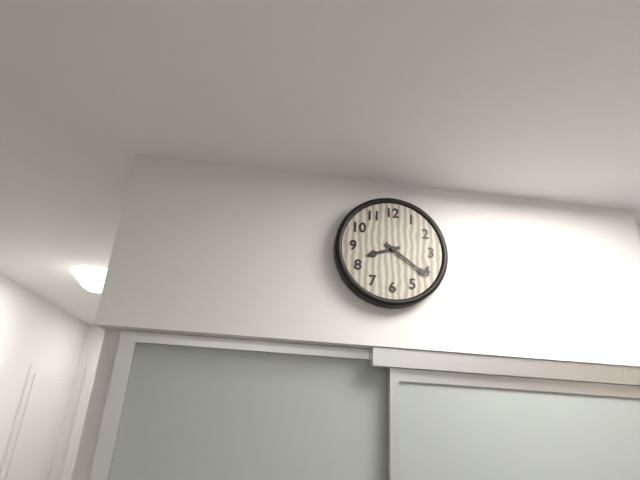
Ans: 8:21
